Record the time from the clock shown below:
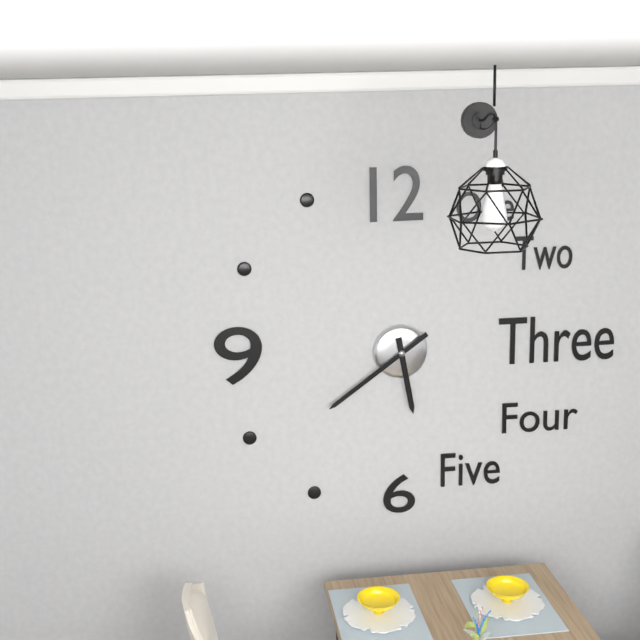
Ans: 5:39
